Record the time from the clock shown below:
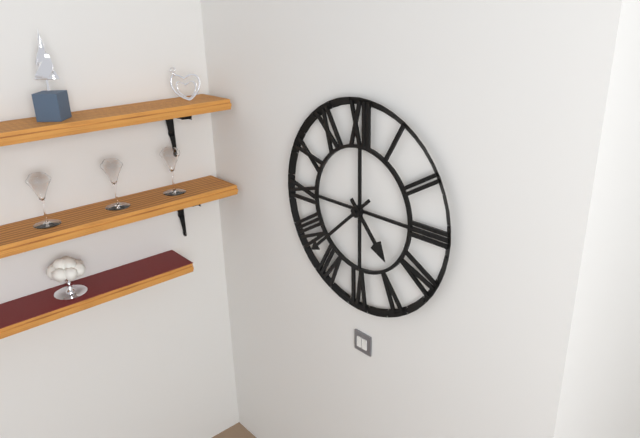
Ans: 4:38
